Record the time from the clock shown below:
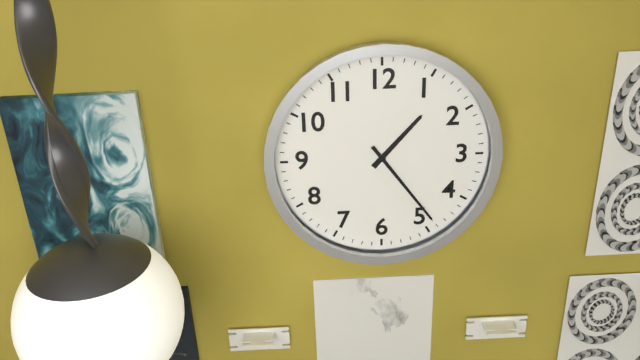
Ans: 1:24
